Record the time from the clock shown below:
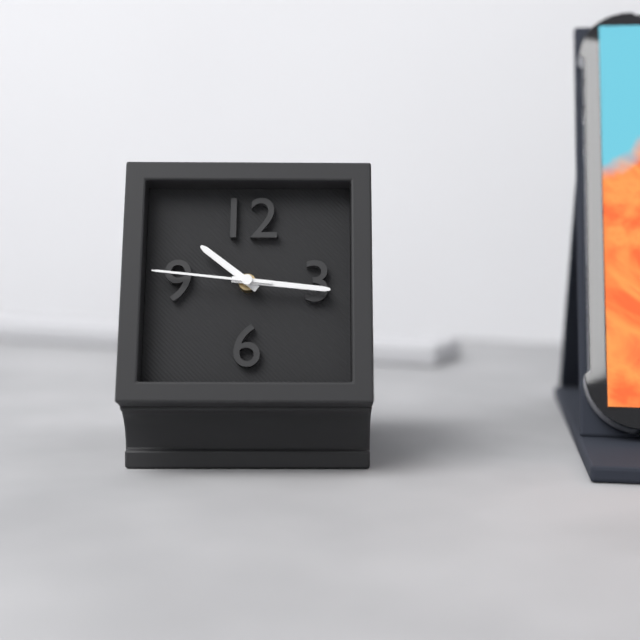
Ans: 10:16:46
